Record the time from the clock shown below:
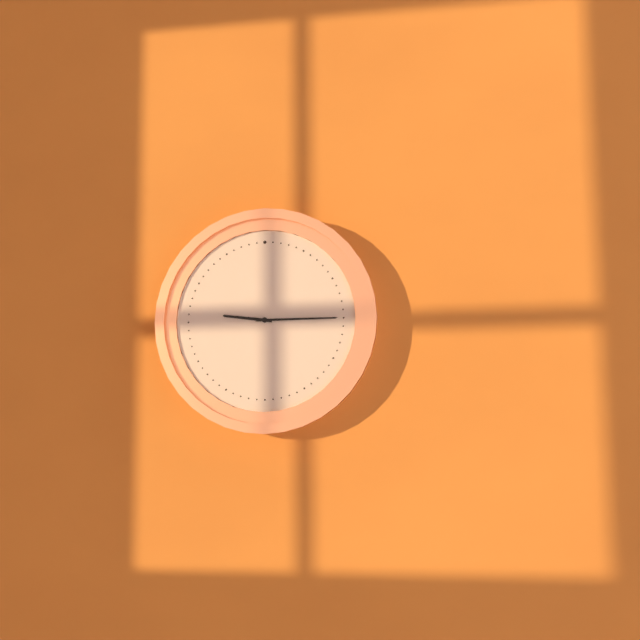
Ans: 9:15
